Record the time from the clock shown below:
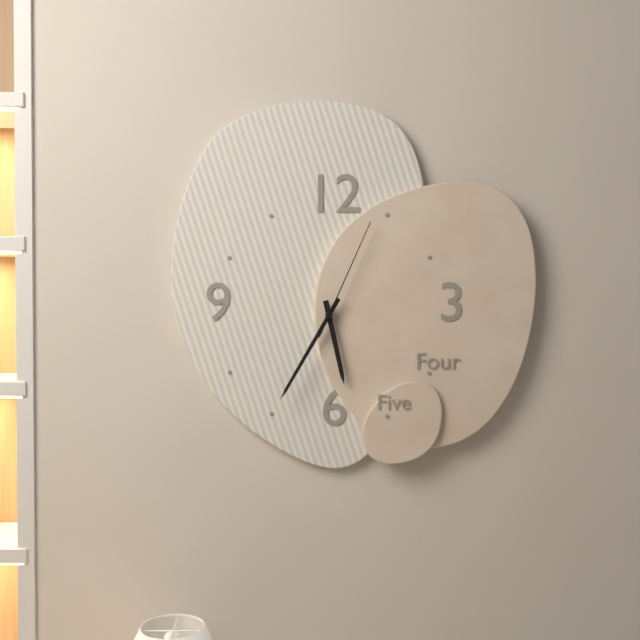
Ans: 5:35:04
